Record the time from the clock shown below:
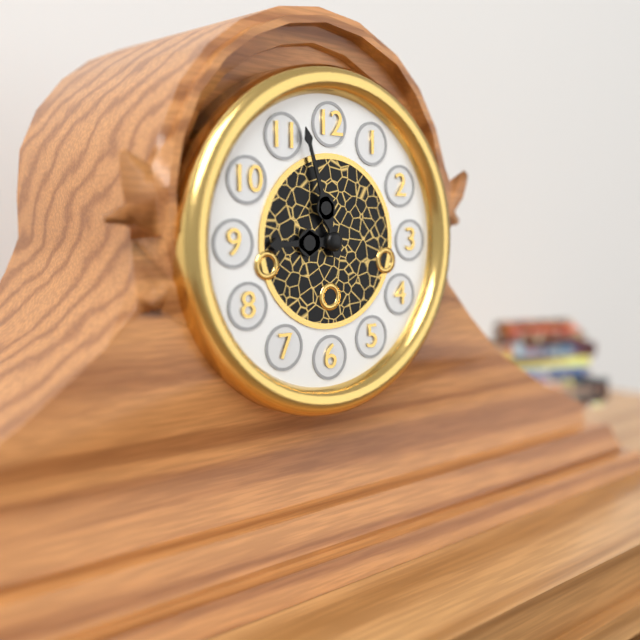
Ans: 8:57
